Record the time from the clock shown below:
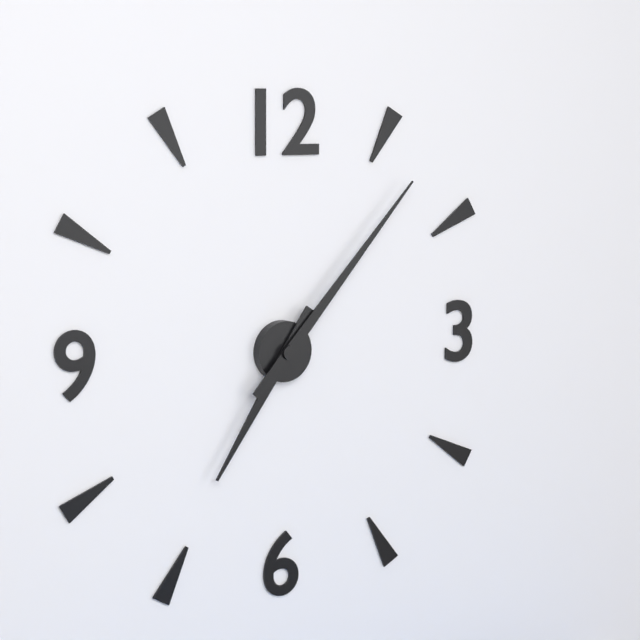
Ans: 7:07
